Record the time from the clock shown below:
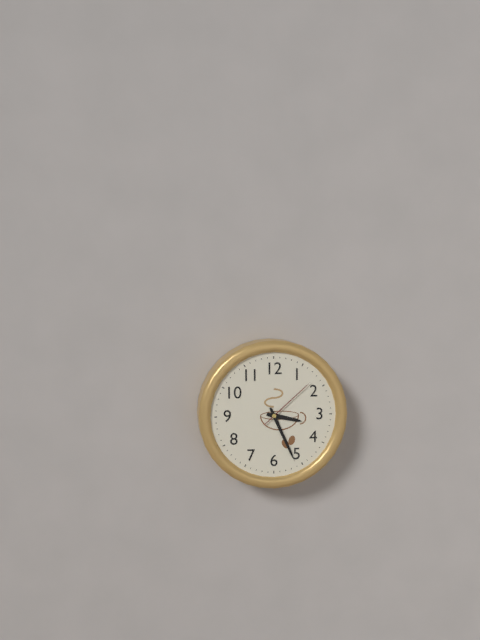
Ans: 3:26:08
